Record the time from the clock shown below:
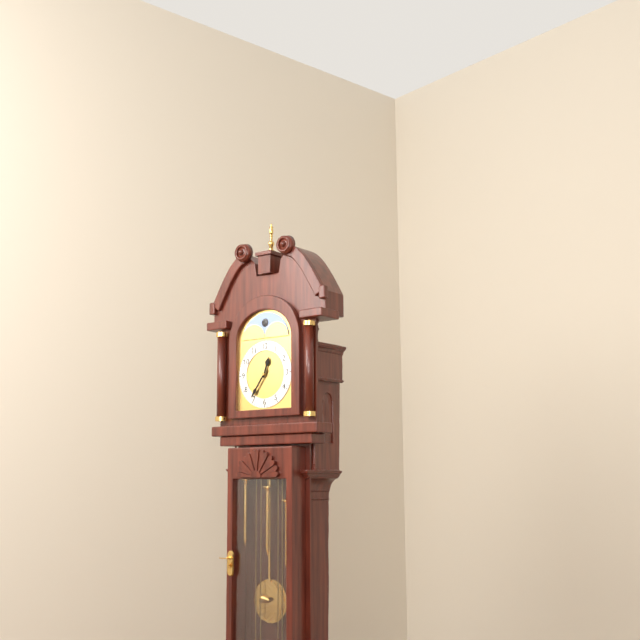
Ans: 12:36
